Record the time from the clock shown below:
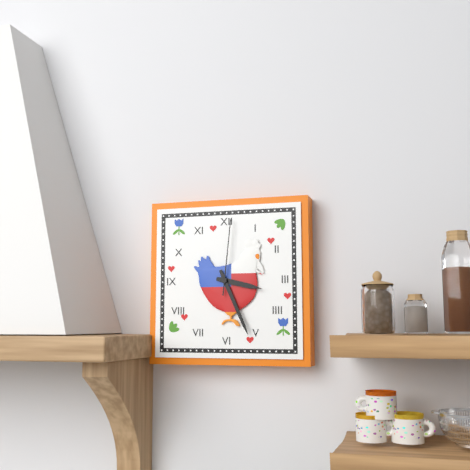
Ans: 3:26:01
